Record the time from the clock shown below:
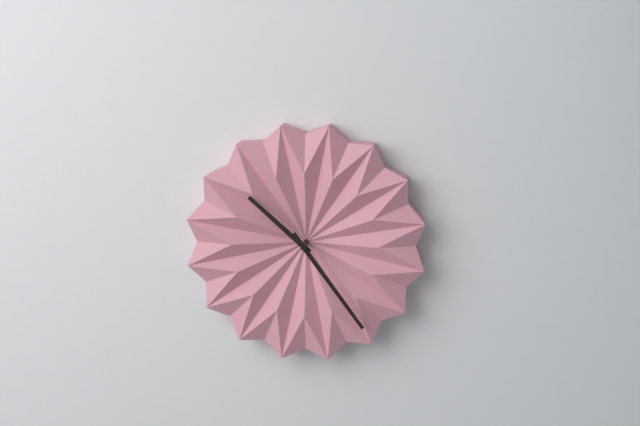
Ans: 10:24
